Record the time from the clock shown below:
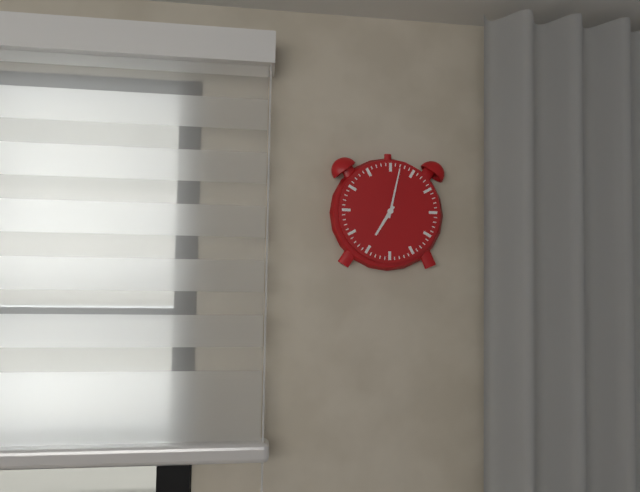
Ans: 7:02
